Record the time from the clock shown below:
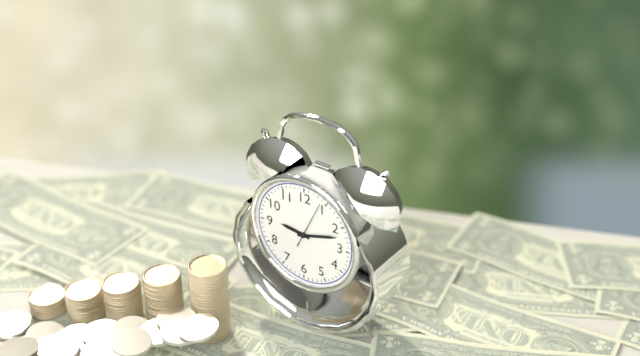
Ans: 9:12
